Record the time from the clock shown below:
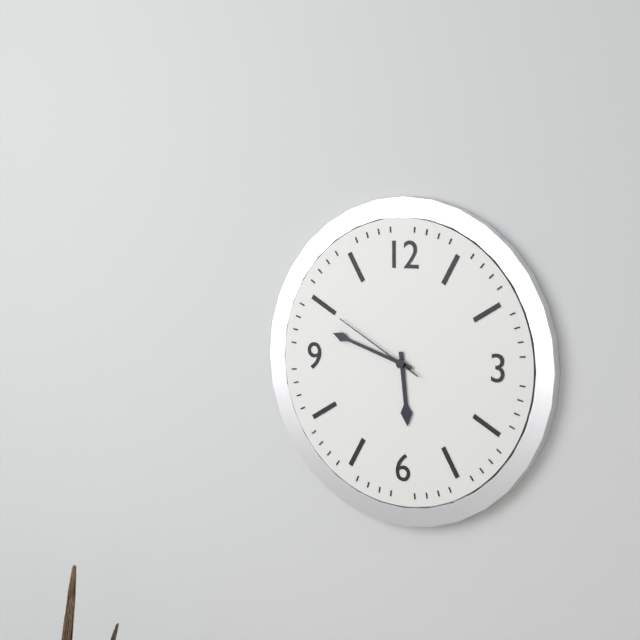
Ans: 5:48:50
